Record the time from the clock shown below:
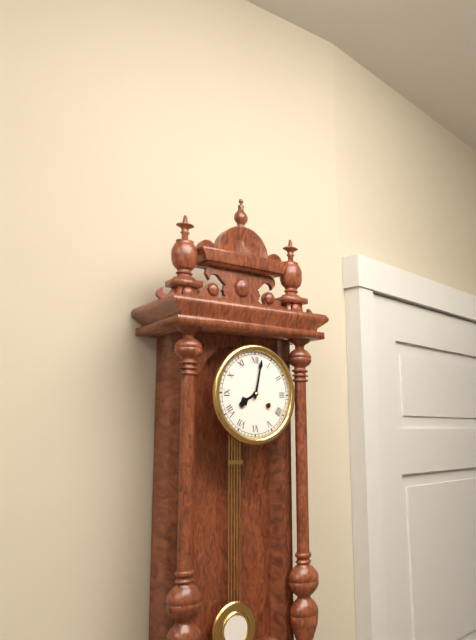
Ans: 8:02
